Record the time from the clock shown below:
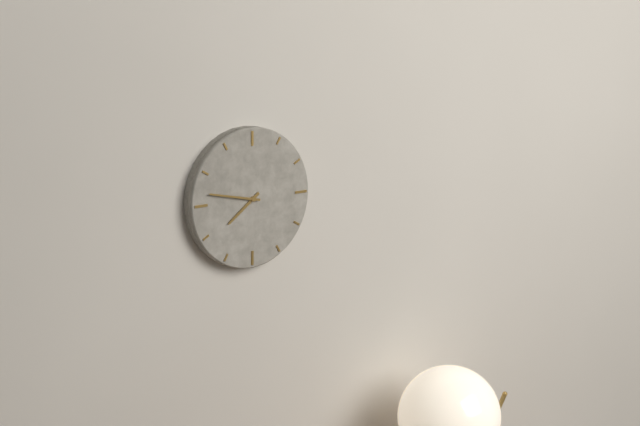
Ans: 7:47
